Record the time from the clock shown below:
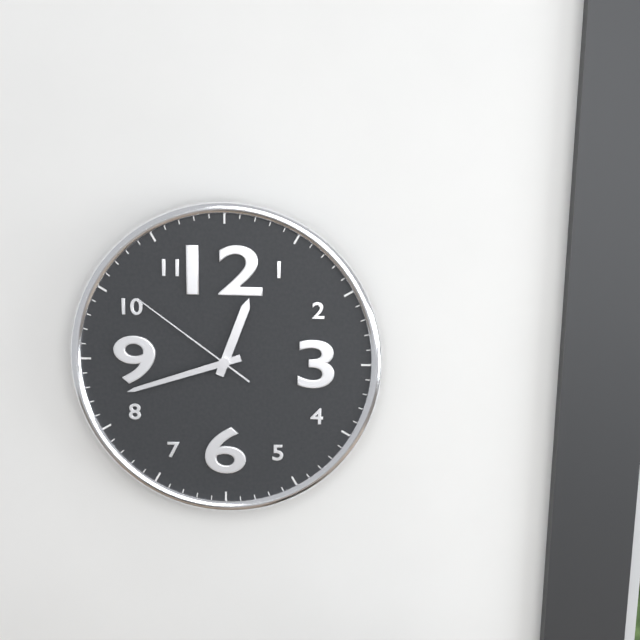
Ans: 12:42:51
